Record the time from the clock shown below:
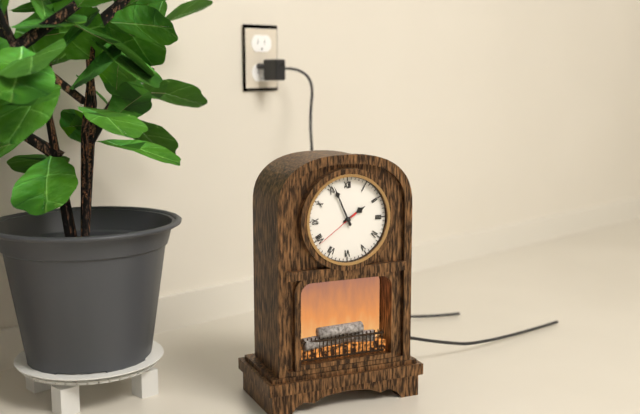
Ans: 1:56
